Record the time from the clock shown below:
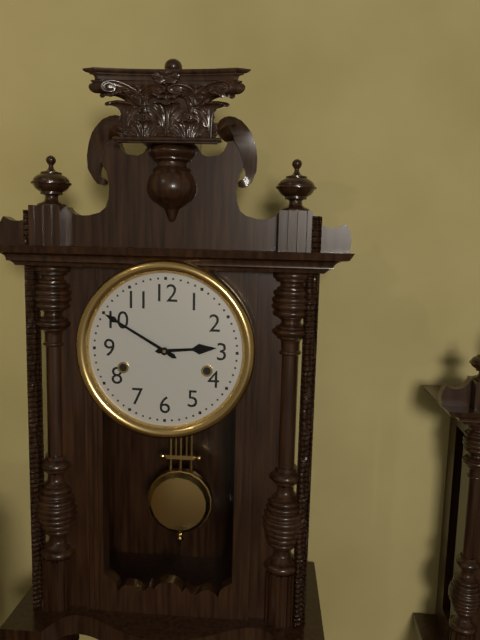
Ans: 2:50
